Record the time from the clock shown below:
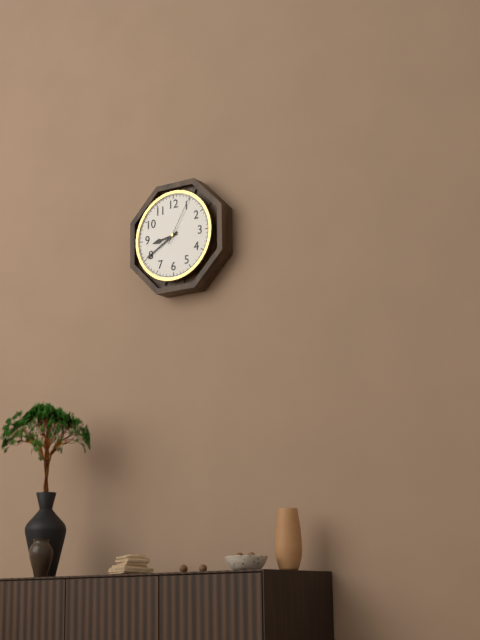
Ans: 8:40:05
